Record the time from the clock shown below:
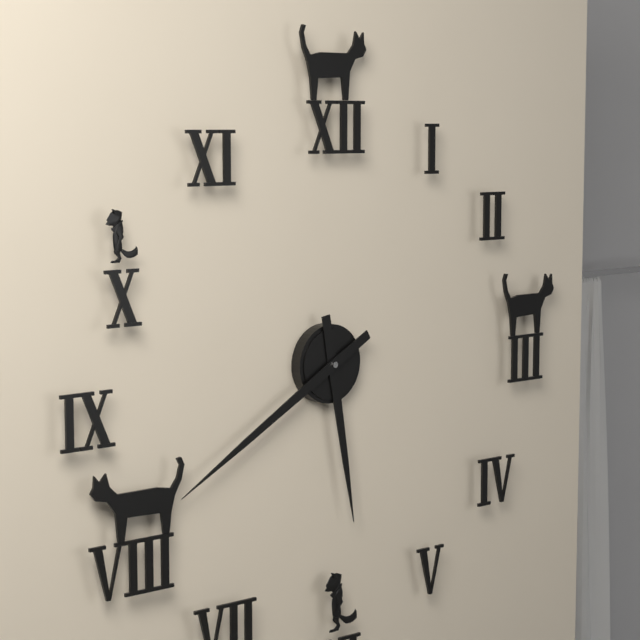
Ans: 5:40
